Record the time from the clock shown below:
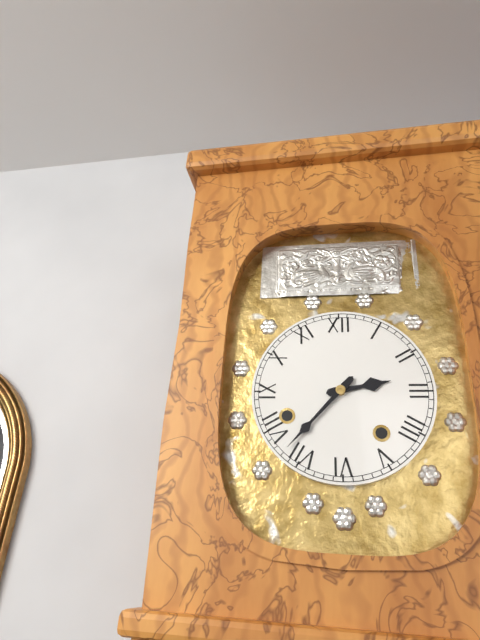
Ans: 2:37
